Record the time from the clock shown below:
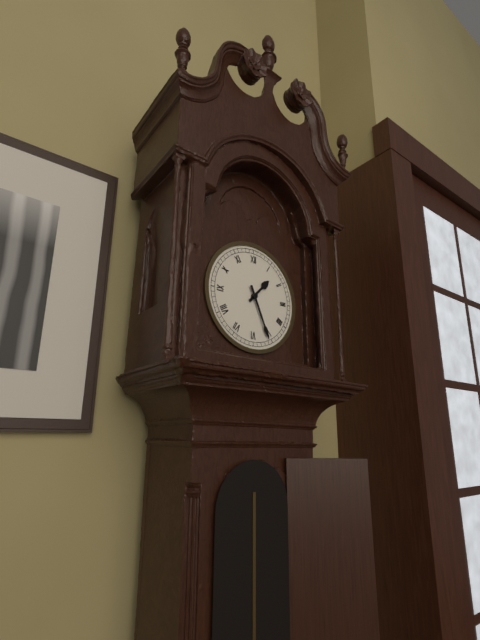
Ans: 1:26
